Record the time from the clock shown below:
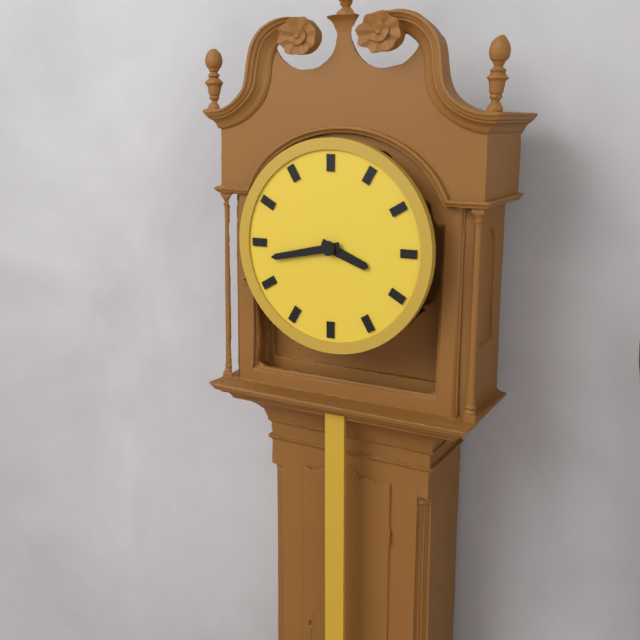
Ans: 3:43
